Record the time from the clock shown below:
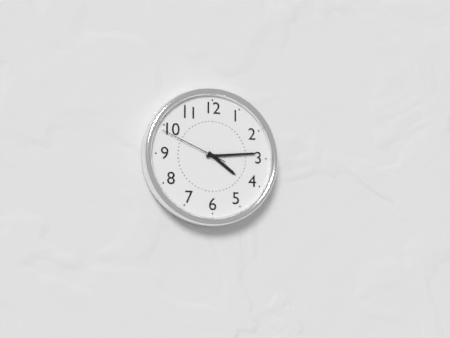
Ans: 4:14:49
